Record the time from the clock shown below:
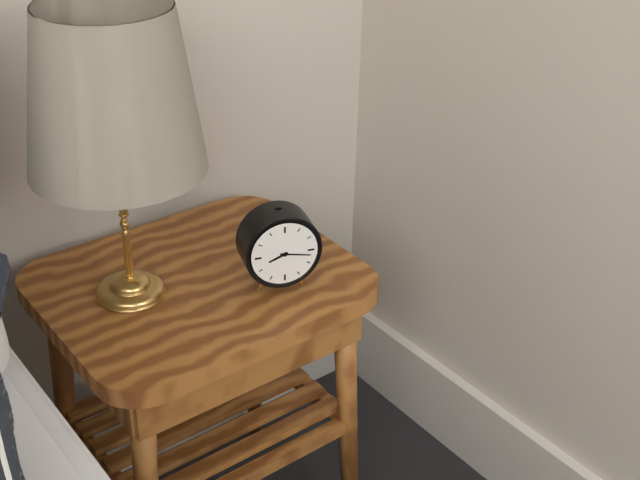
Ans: 8:17
